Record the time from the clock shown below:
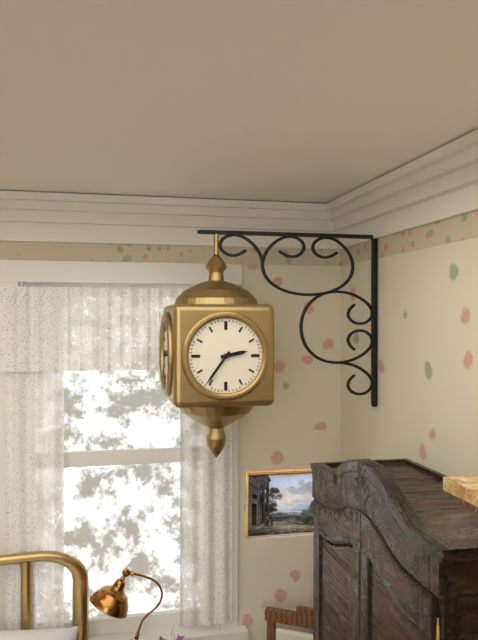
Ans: 2:36
